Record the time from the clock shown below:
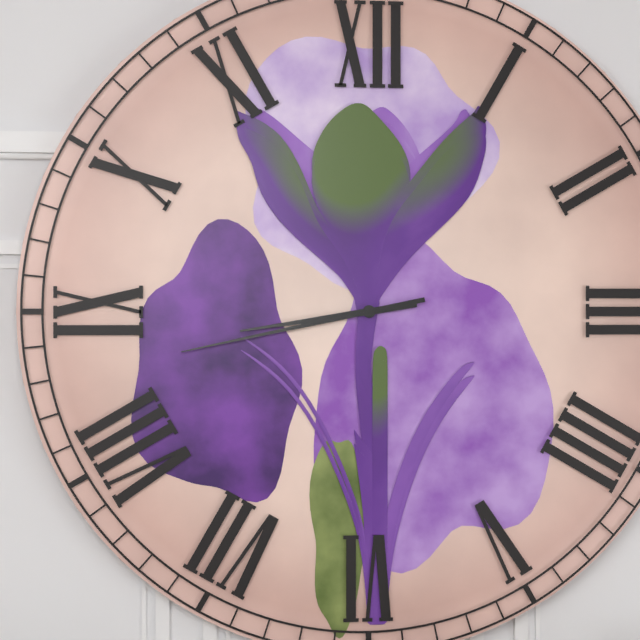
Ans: 8:43
